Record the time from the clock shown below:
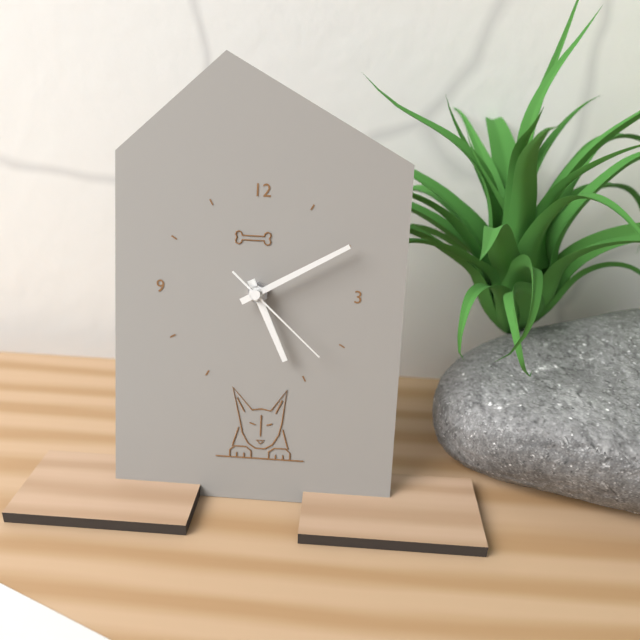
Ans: 5:10:22
